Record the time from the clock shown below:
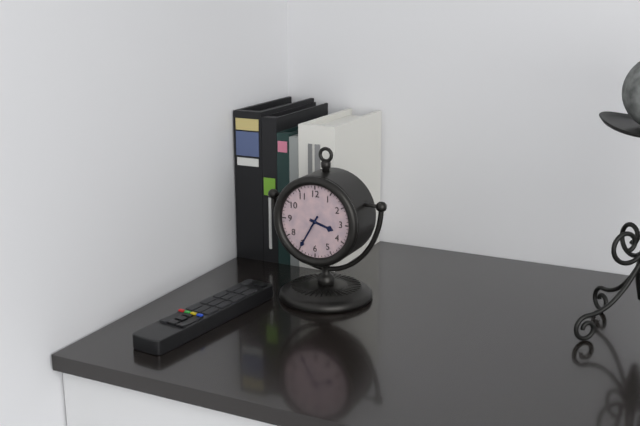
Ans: 3:35
